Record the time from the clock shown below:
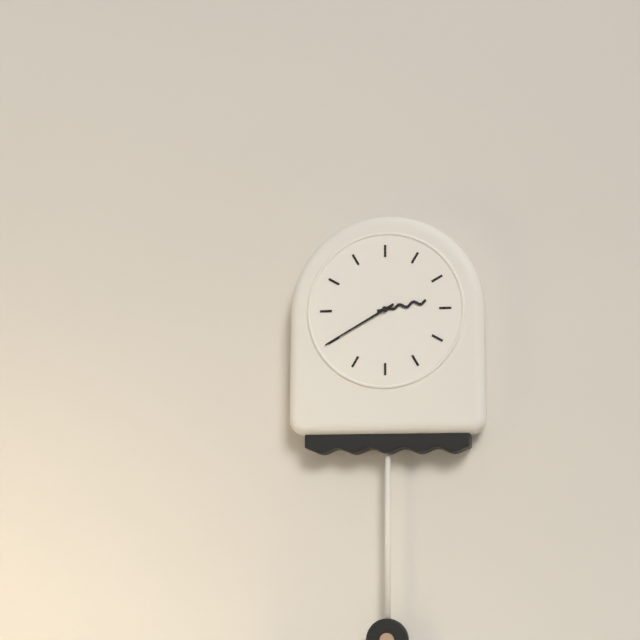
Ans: 2:40
